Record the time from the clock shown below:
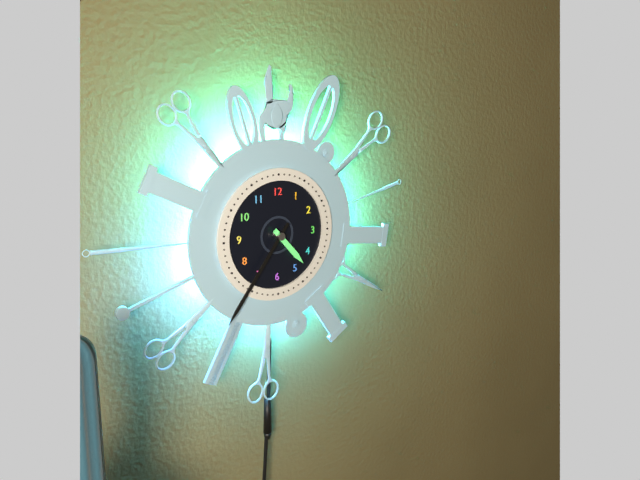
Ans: 4:36
